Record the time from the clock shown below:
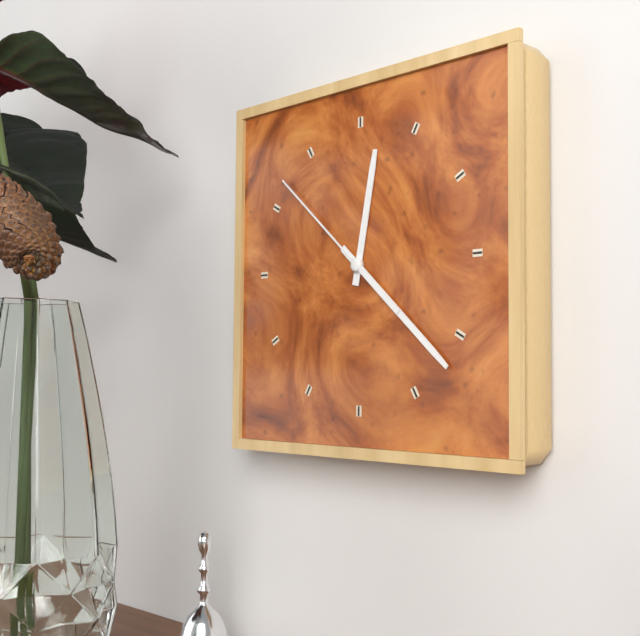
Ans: 12:22:52
